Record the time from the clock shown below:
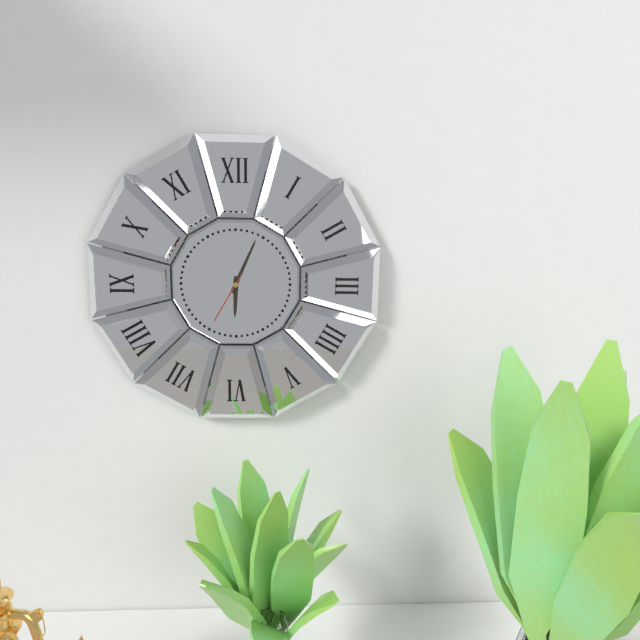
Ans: 6:04:35
